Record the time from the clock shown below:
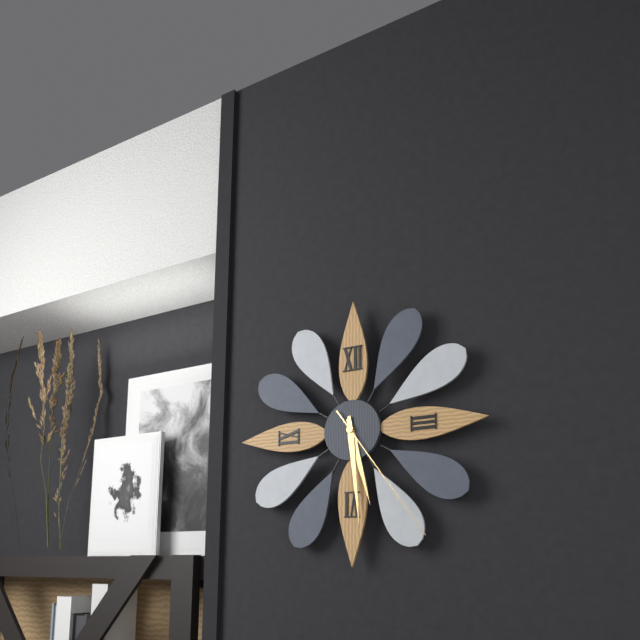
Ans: 5:29:24
